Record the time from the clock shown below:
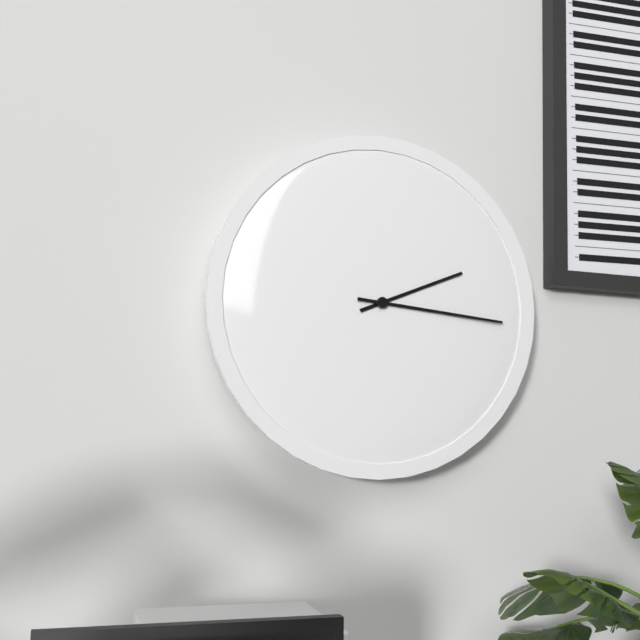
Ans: 2:16
